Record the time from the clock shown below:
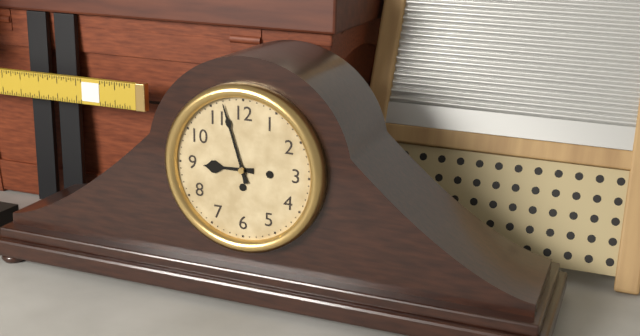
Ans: 8:57
